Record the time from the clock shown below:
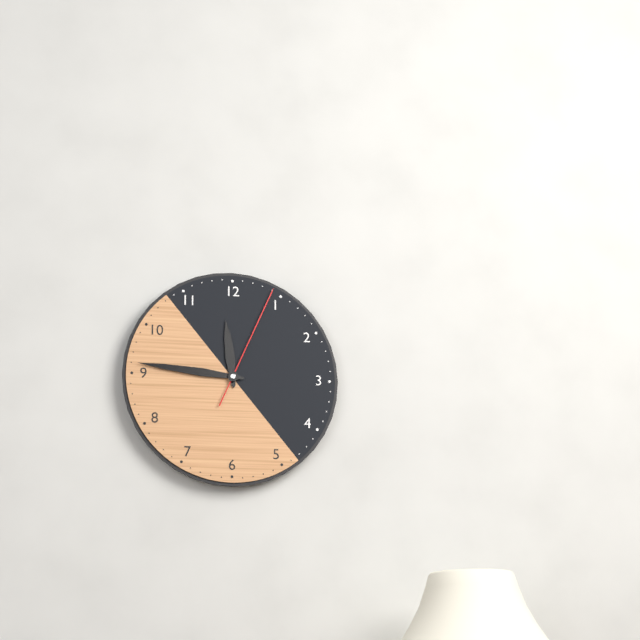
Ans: 11:46:04
